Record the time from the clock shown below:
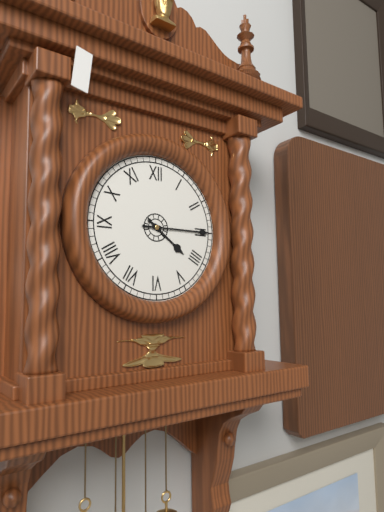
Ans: 4:15
